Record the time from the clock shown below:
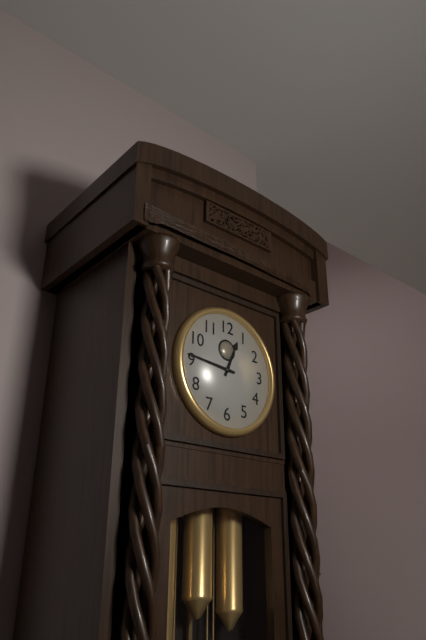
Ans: 12:46
